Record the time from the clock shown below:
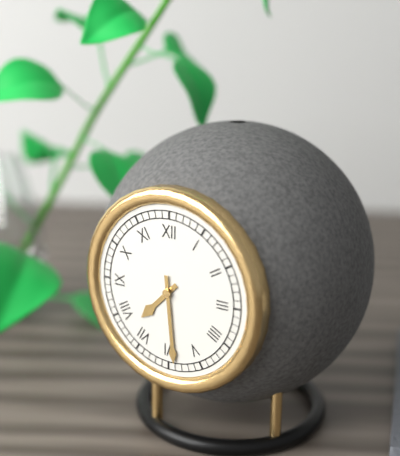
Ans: 7:29
